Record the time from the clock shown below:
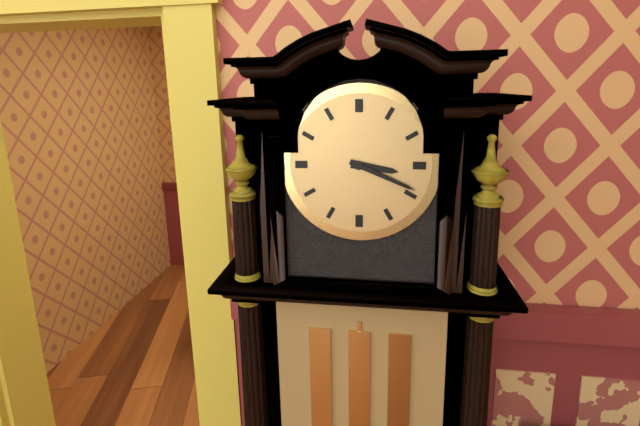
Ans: 3:19
